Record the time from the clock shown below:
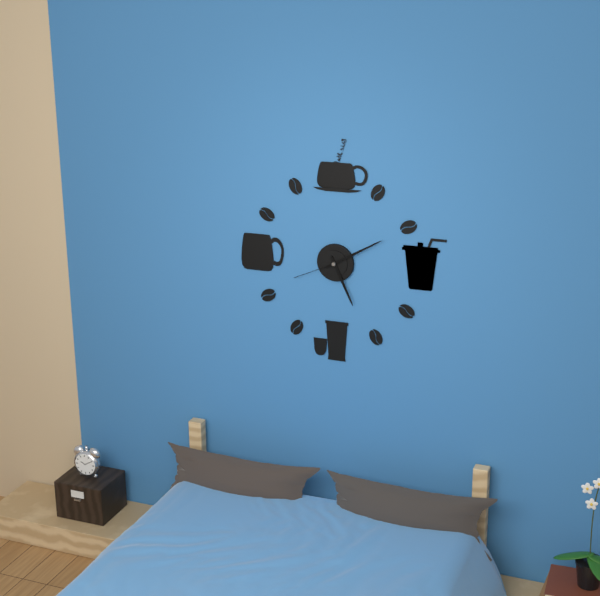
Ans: 5:10:41
